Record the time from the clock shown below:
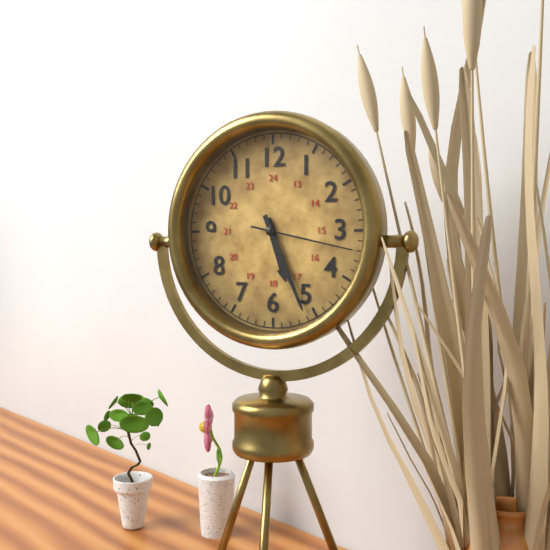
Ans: 5:26:17
